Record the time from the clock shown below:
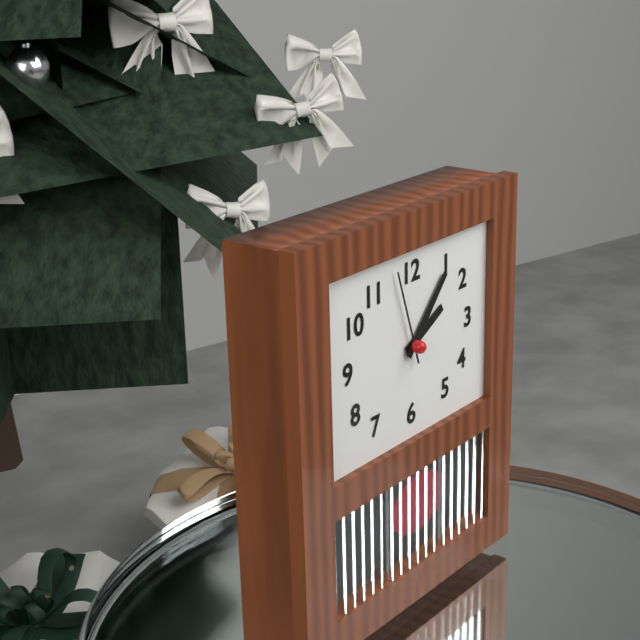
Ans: 2:07:57
